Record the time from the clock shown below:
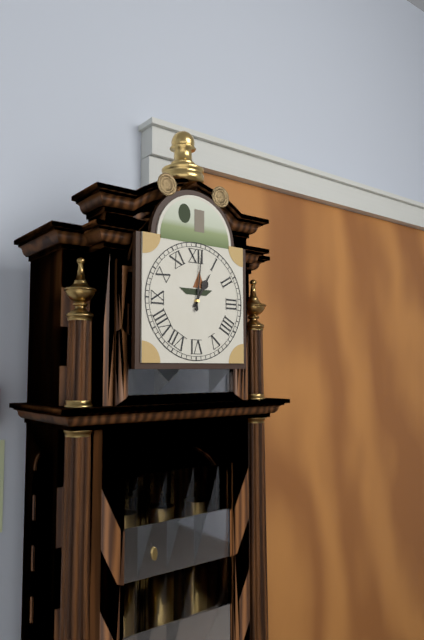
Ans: 1:01
